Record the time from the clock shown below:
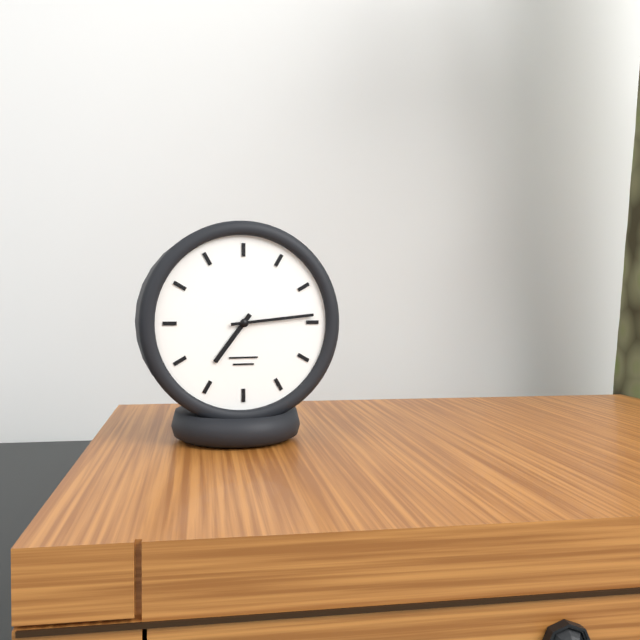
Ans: 7:14
